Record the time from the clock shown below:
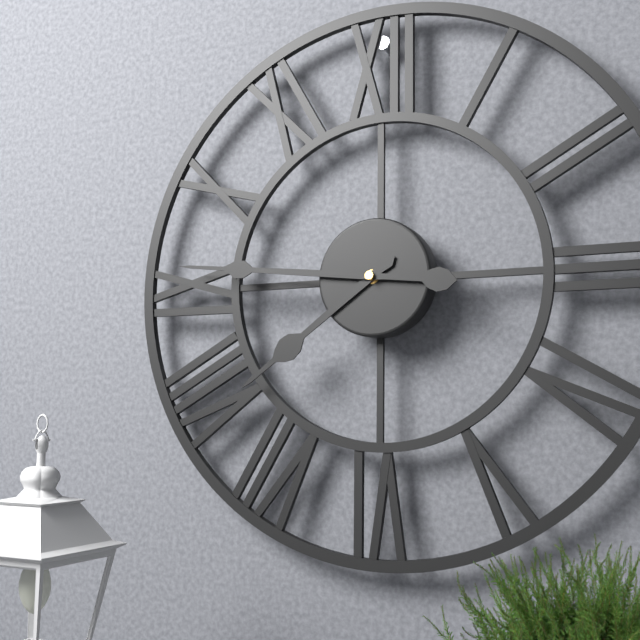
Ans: 7:46
